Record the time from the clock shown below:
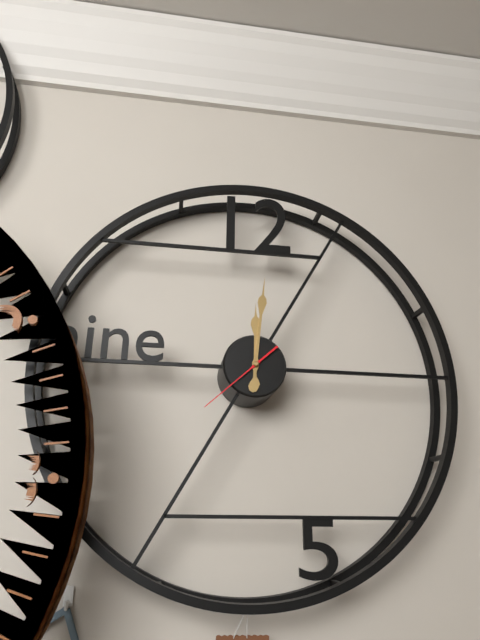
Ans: 12:01:38
